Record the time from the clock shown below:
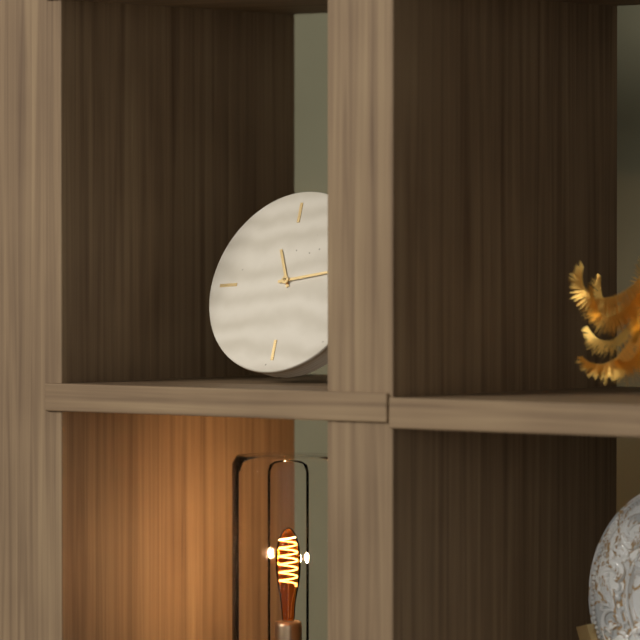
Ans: 11:14
